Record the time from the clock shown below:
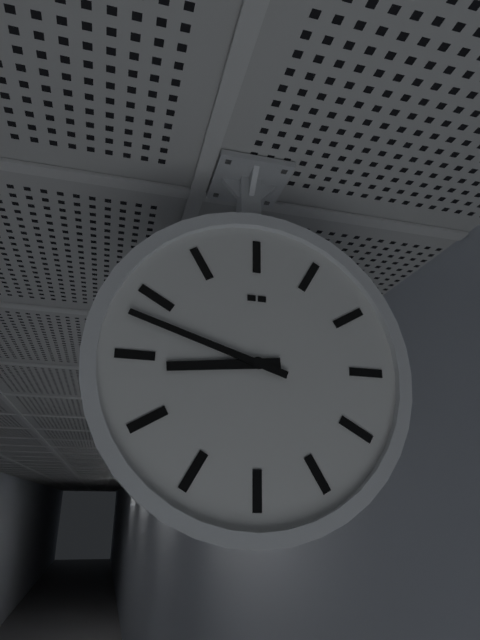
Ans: 8:48
